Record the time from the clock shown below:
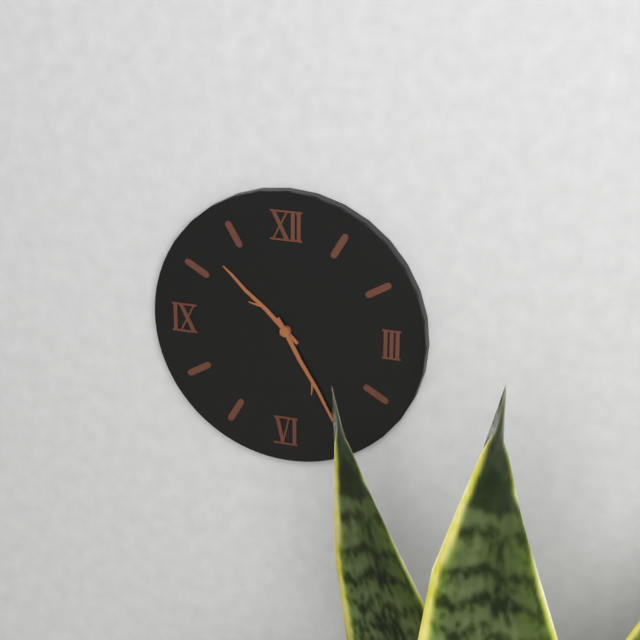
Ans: 10:25
